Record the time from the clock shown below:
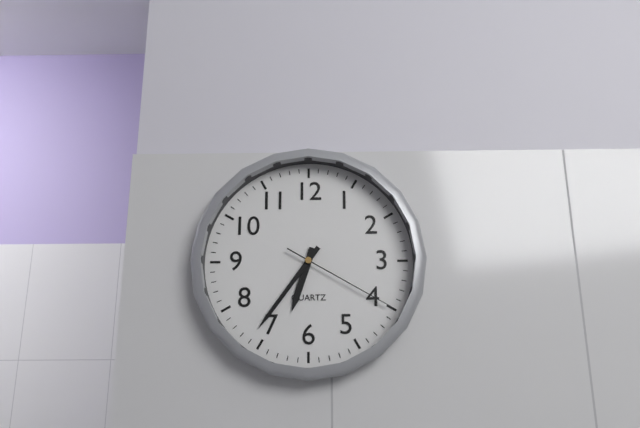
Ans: 6:36:20
